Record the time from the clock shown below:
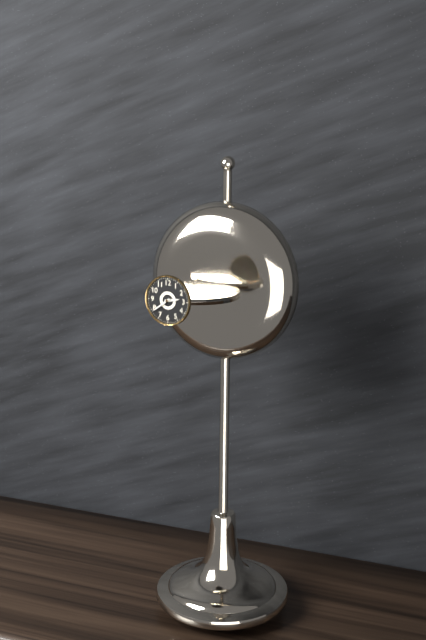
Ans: 2:39
